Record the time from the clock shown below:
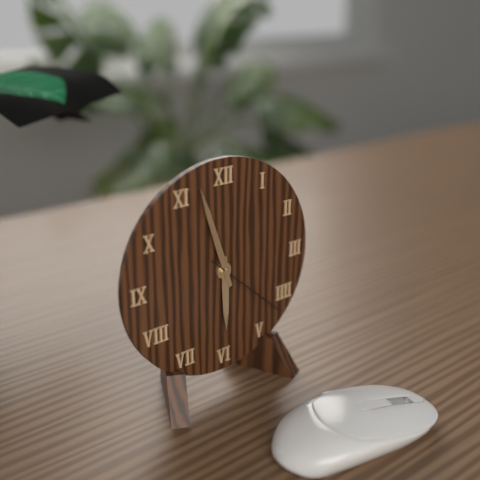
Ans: 5:57:22
